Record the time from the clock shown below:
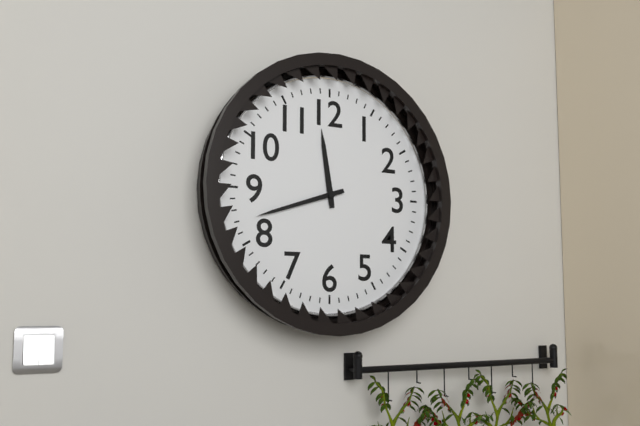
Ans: 11:42
